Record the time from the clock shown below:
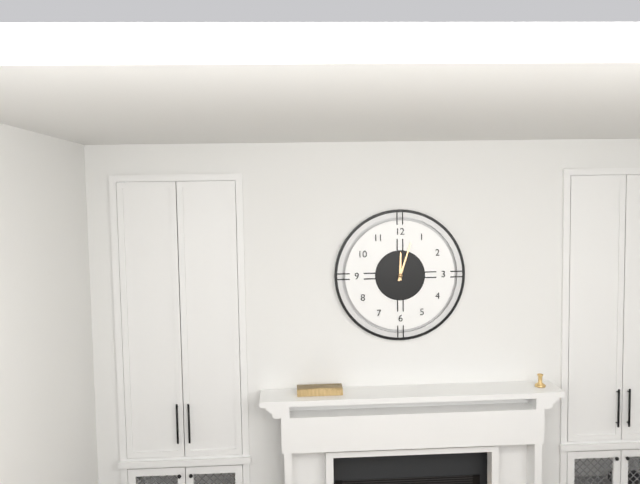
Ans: 12:03
